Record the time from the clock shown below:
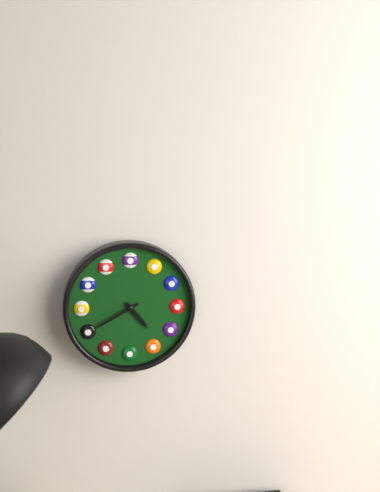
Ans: 4:40
